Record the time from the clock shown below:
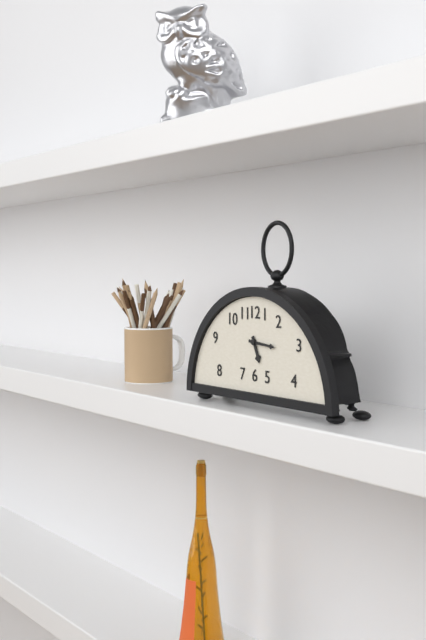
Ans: 5:16
